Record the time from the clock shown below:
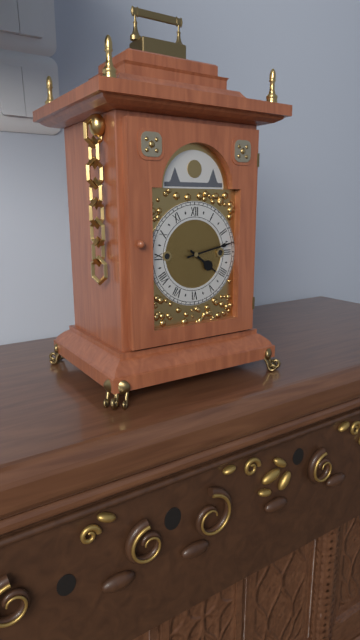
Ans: 4:13
